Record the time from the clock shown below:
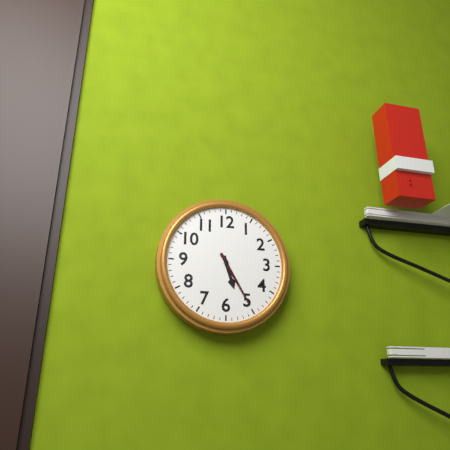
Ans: 5:25
